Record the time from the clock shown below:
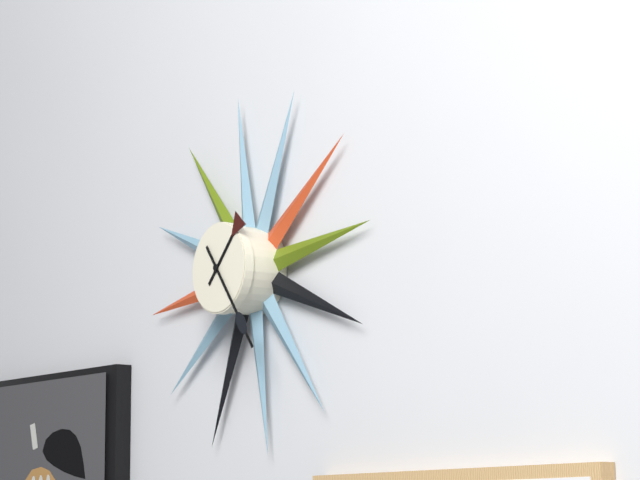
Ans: 1:24
